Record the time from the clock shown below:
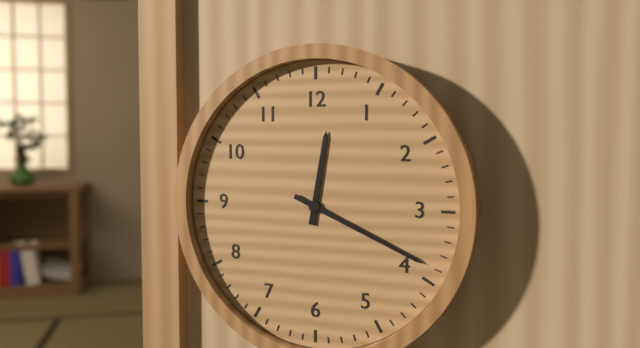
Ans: 12:19
